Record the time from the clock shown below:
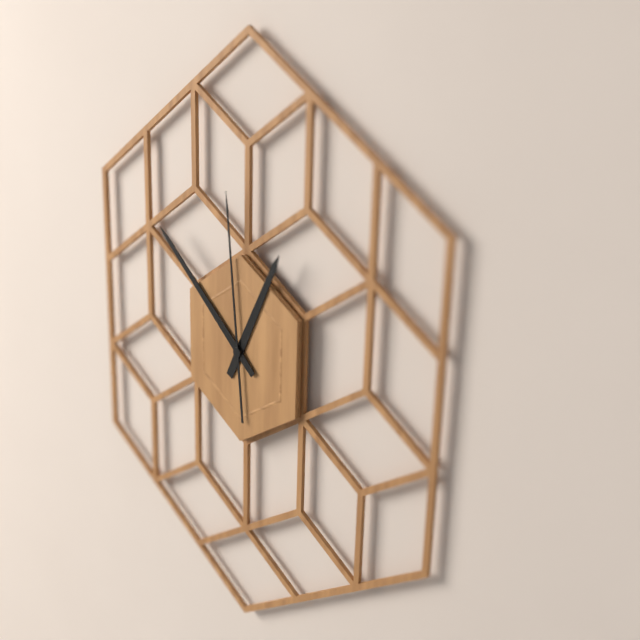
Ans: 12:52:59
